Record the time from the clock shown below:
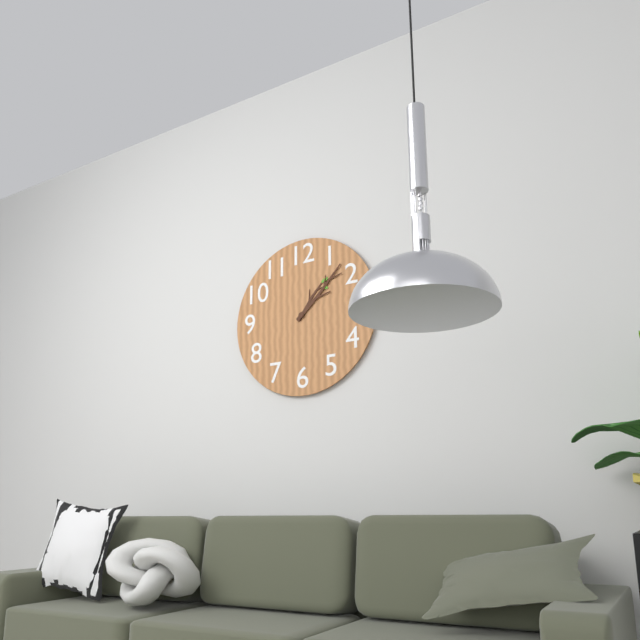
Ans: 1:08
